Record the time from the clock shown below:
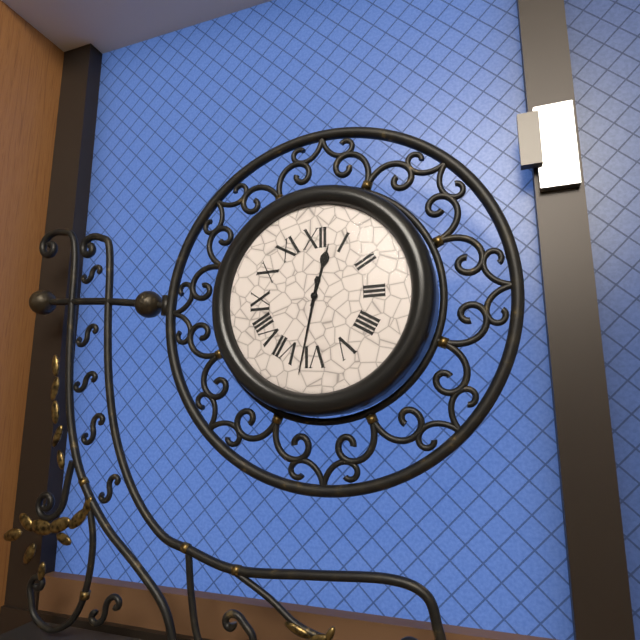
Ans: 12:32
